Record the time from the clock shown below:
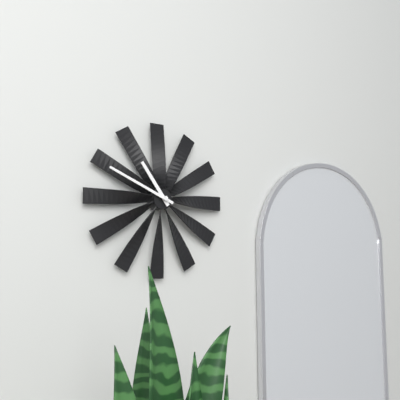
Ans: 10:49
